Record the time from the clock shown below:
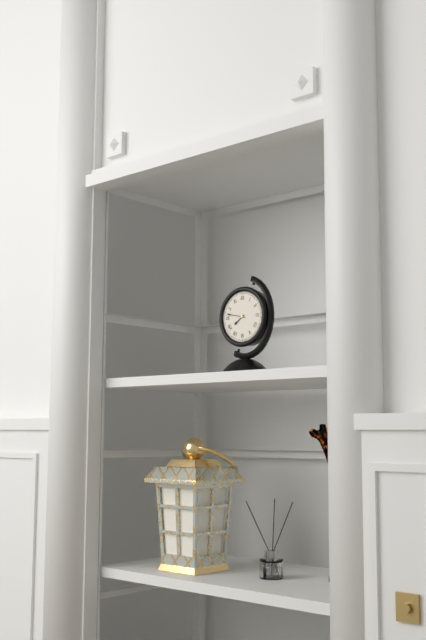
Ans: 7:47
